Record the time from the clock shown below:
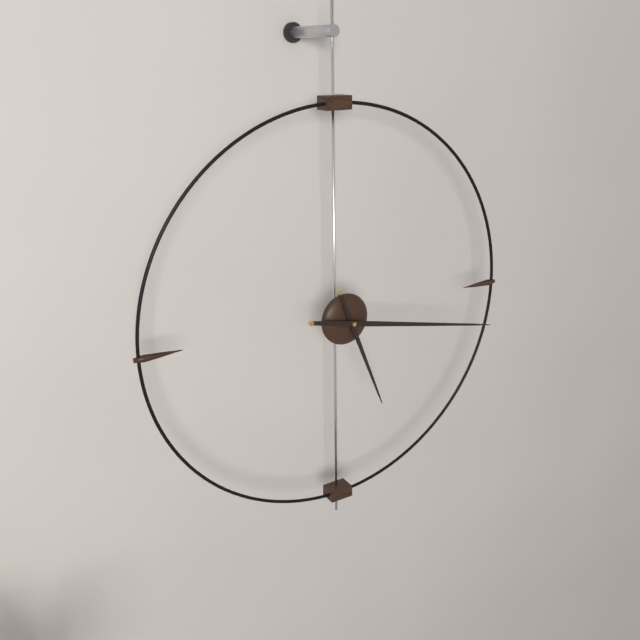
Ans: 5:17
